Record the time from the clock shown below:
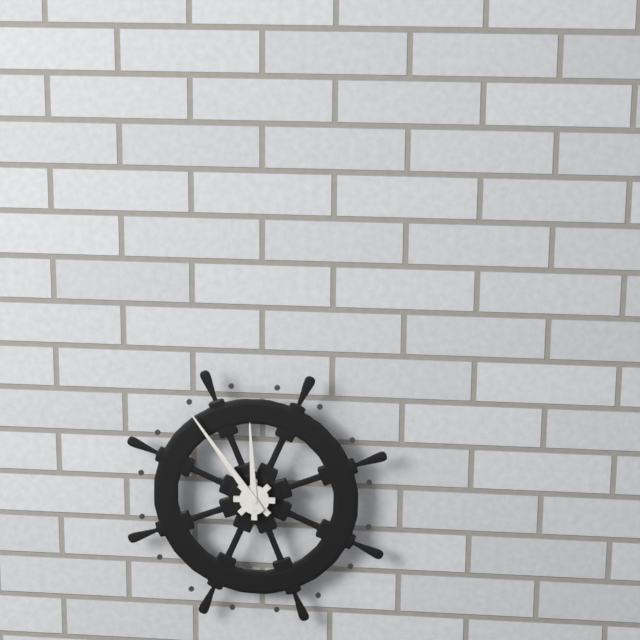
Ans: 11:54
